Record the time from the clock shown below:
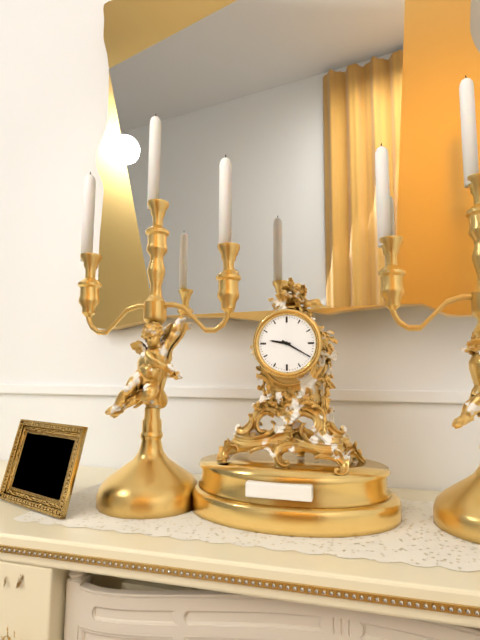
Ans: 9:20
